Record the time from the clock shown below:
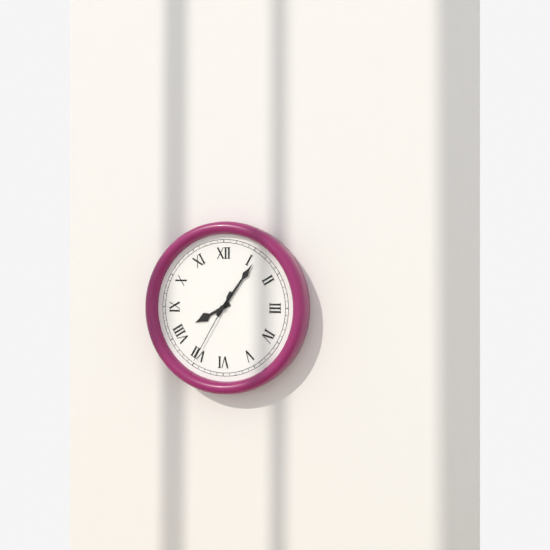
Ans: 8:06:35
